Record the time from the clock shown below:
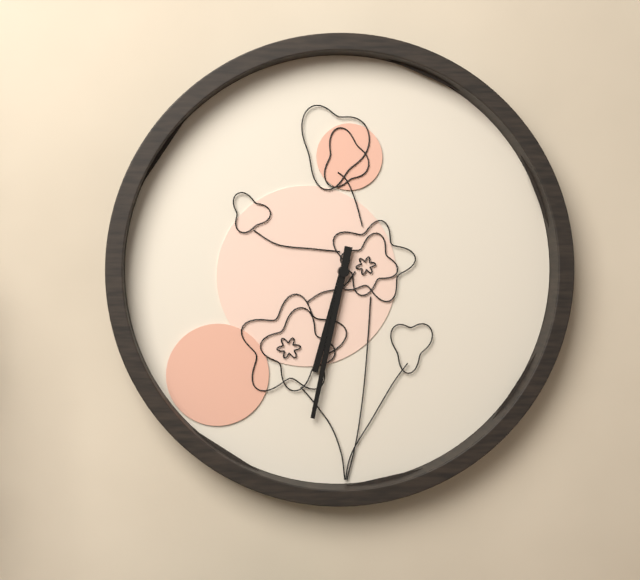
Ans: 6:32
